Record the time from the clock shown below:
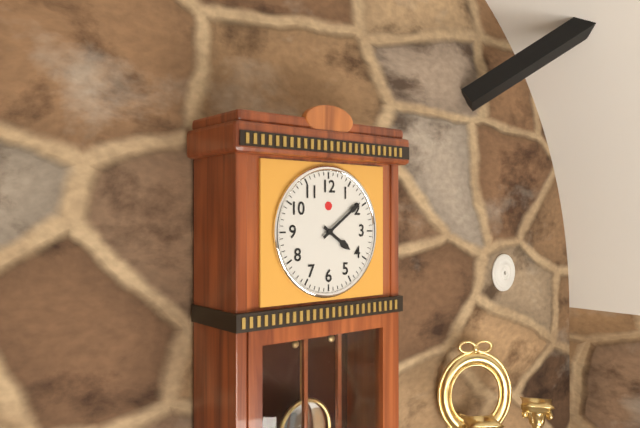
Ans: 4:09
